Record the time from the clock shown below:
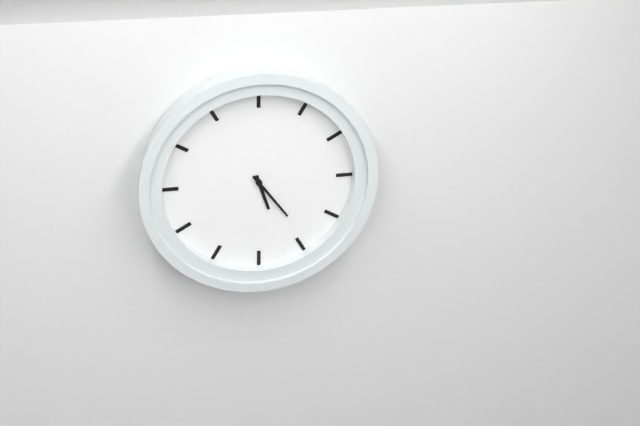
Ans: 5:24
